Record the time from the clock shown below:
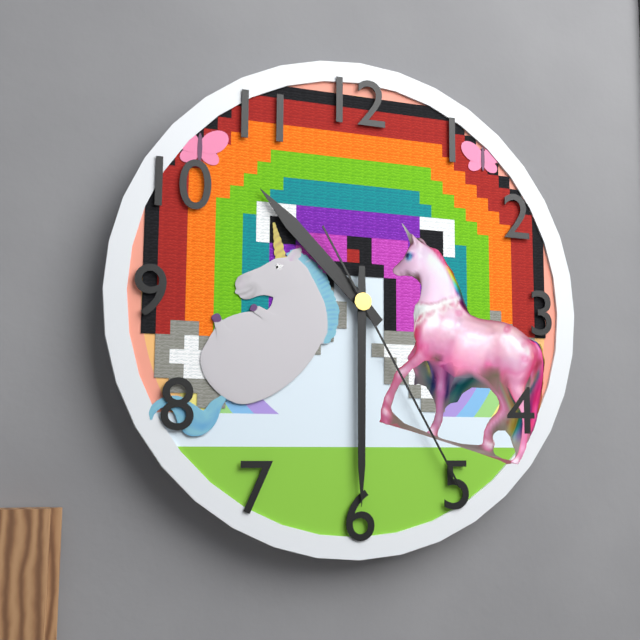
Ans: 10:30:25
